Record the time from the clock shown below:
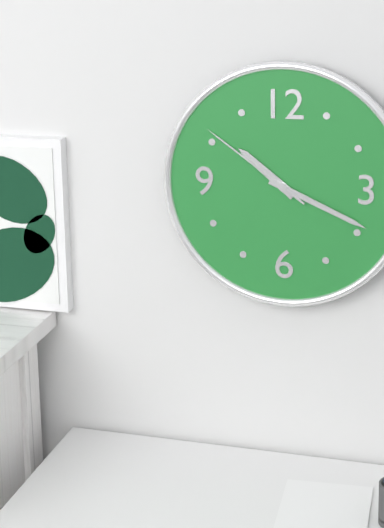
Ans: 10:19:51
